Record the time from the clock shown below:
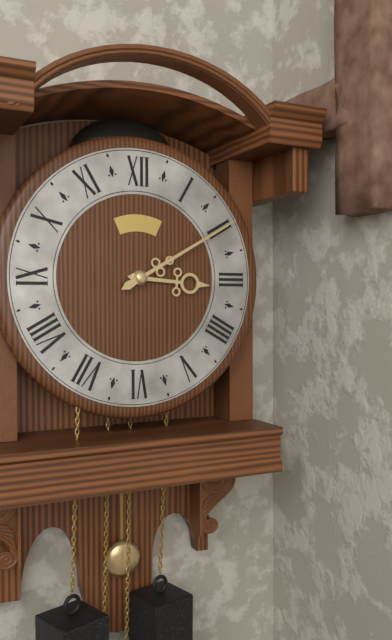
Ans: 3:10
